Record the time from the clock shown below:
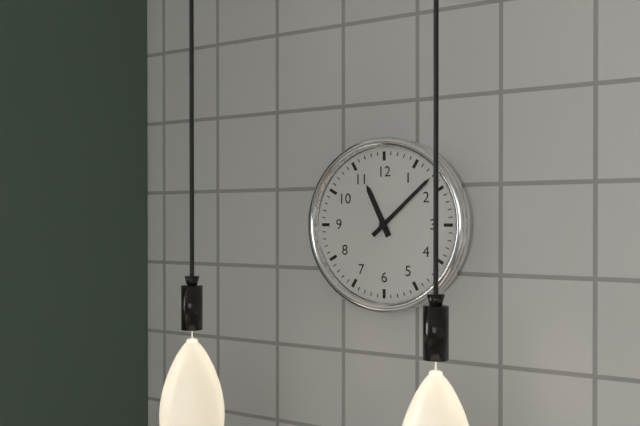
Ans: 11:08
